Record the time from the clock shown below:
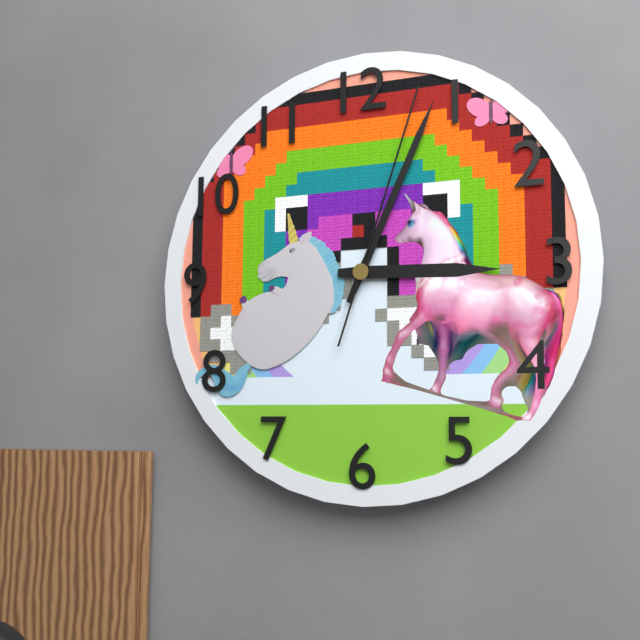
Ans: 3:04:03
